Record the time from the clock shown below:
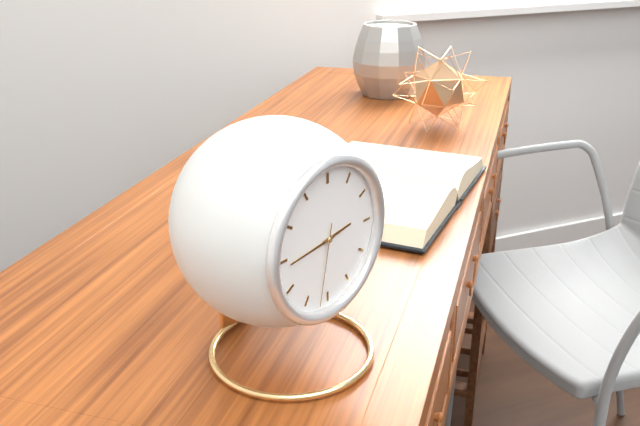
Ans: 2:44:32
